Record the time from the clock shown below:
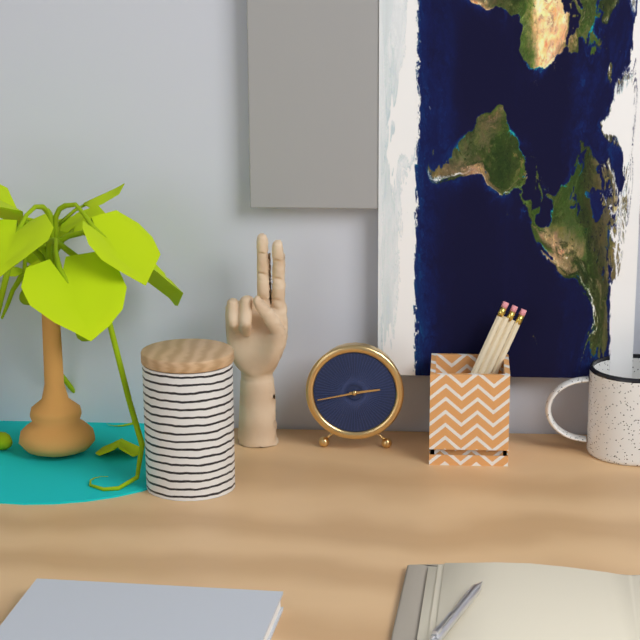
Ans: 2:43
